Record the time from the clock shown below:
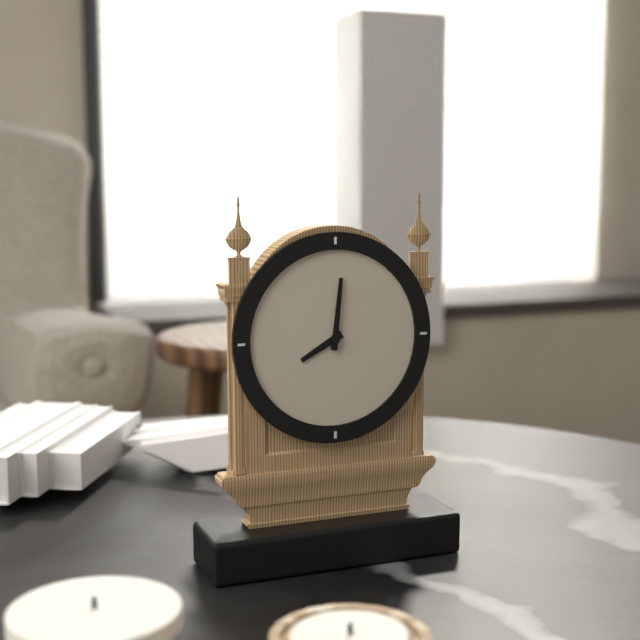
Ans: 8:01
